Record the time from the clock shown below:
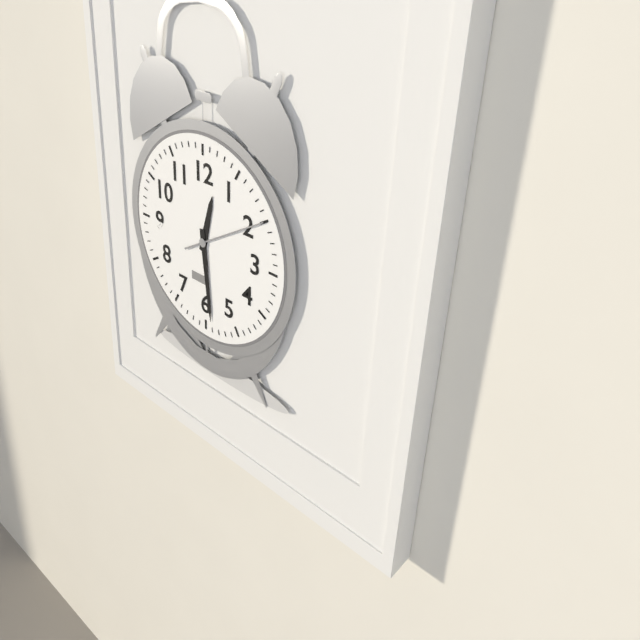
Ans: 12:29
